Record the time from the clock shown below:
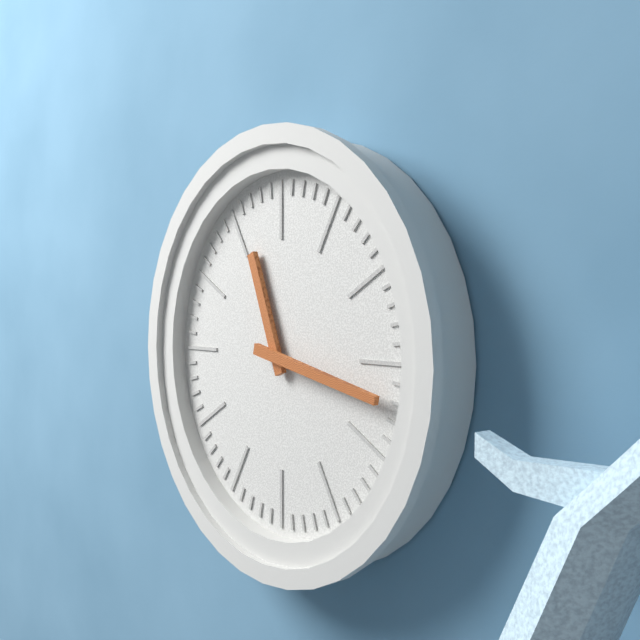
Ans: 11:17
